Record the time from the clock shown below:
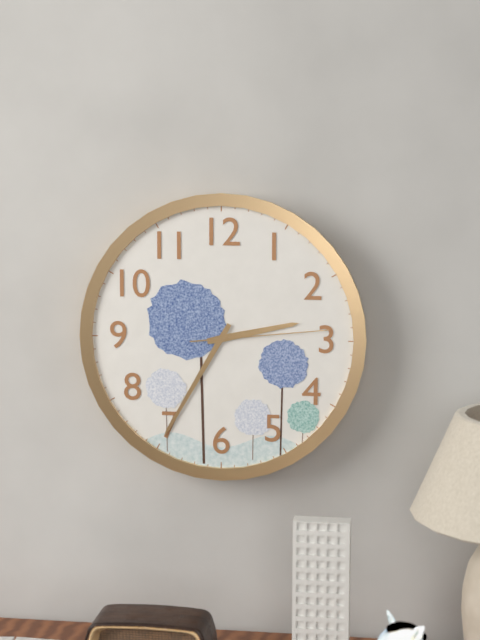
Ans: 2:35:14
